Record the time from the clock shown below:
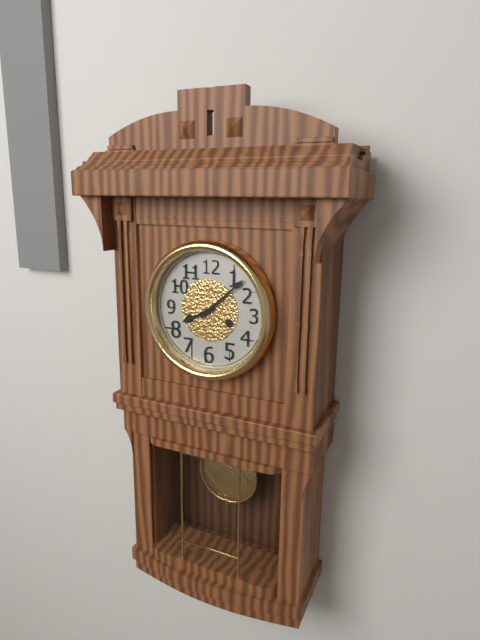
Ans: 8:08
